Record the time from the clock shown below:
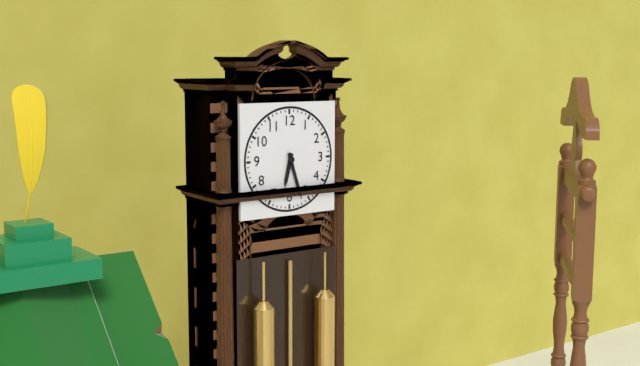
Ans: 6:27
